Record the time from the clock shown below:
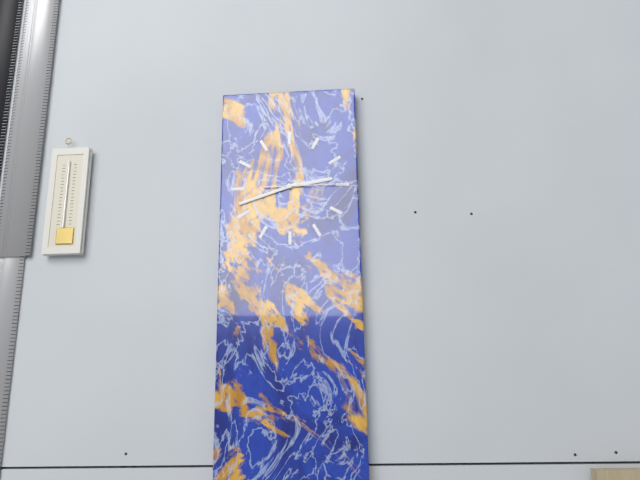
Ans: 2:42:15
